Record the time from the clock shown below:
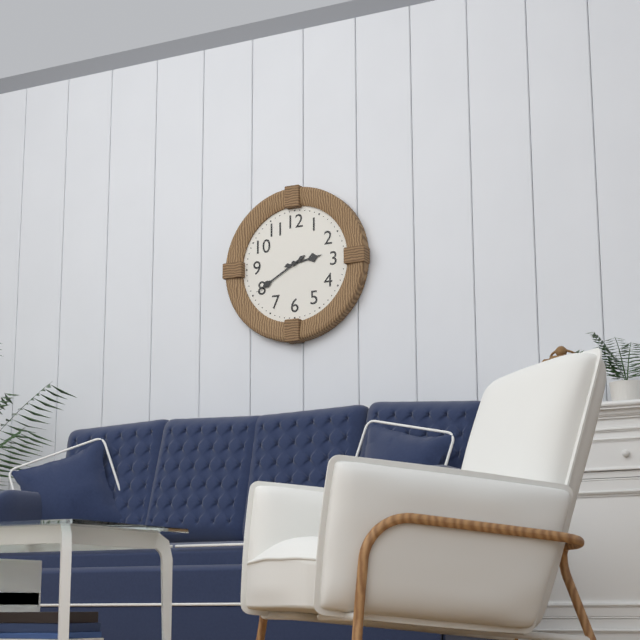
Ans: 2:40
